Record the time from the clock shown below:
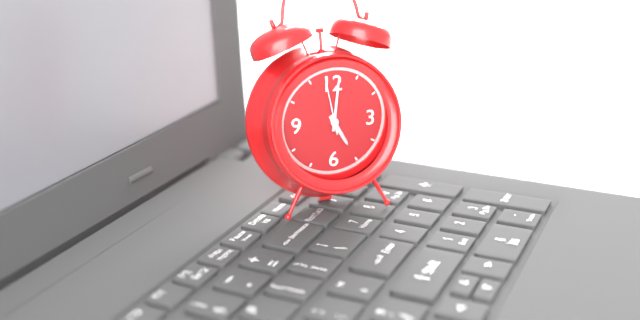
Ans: 5:01:58
